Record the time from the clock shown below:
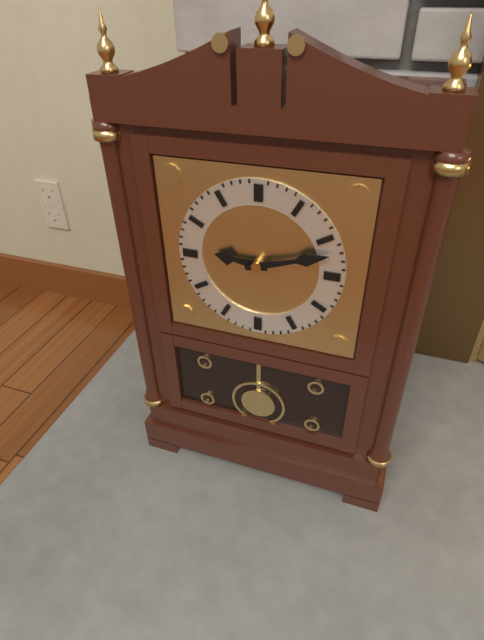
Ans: 9:12
